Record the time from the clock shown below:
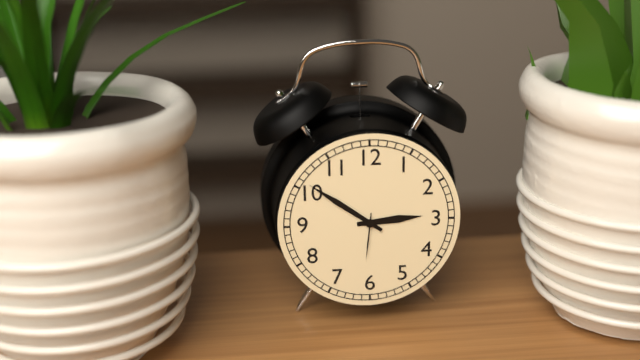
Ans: 2:51
